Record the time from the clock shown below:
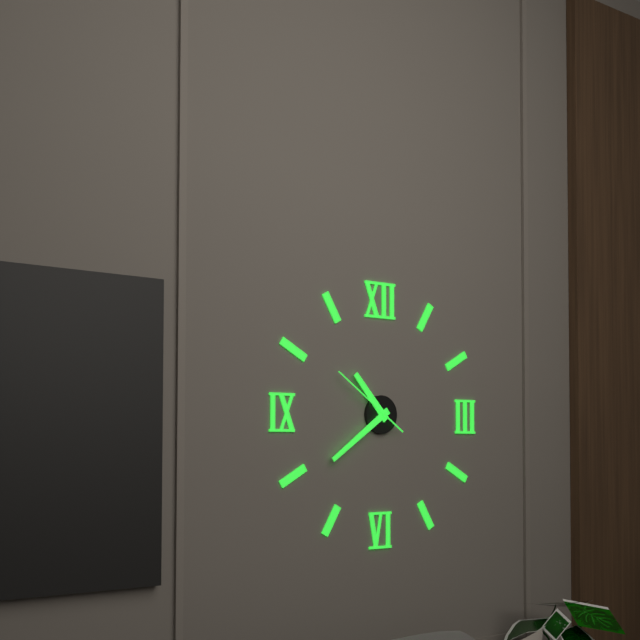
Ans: 10:39:51
